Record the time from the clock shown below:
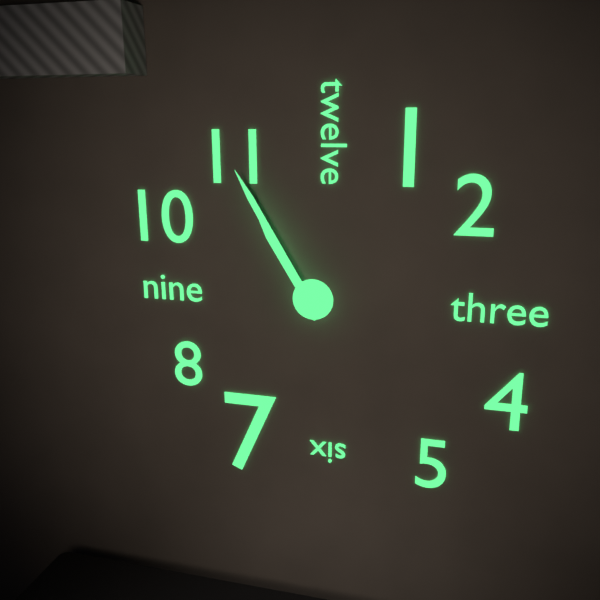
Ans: 10:55
